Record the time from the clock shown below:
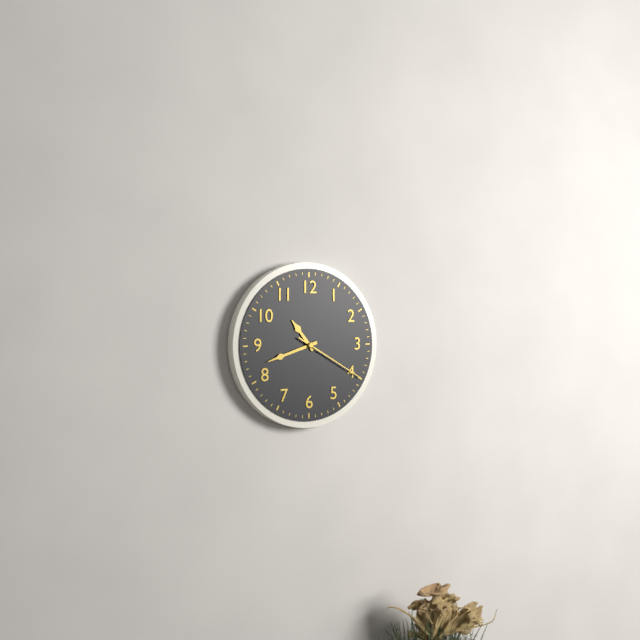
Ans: 10:42:20
